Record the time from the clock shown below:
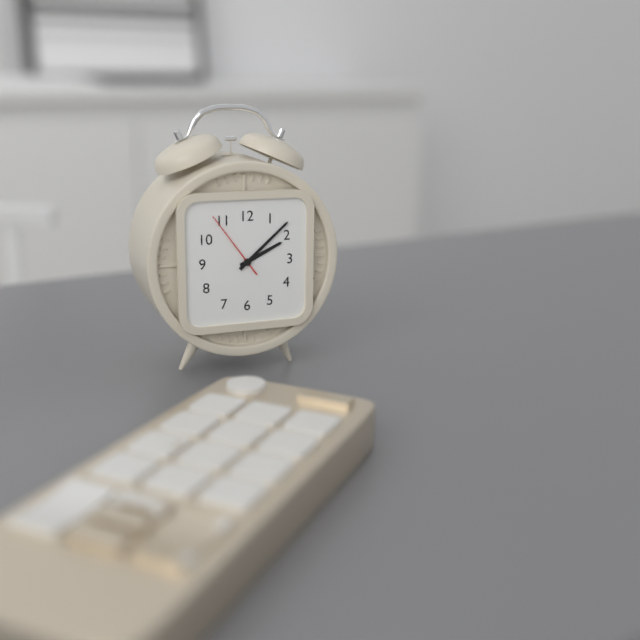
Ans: 2:08:54
